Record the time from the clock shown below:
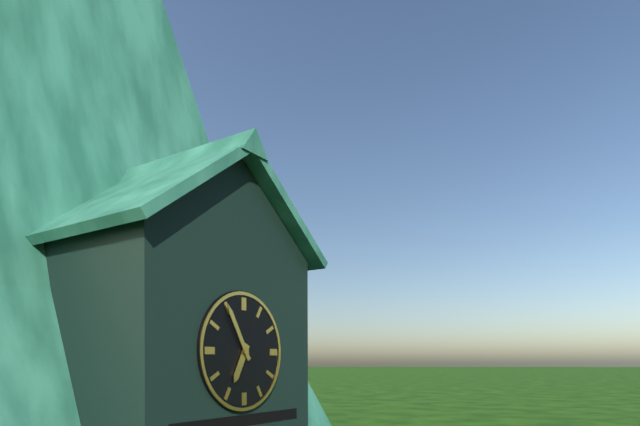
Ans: 6:55
